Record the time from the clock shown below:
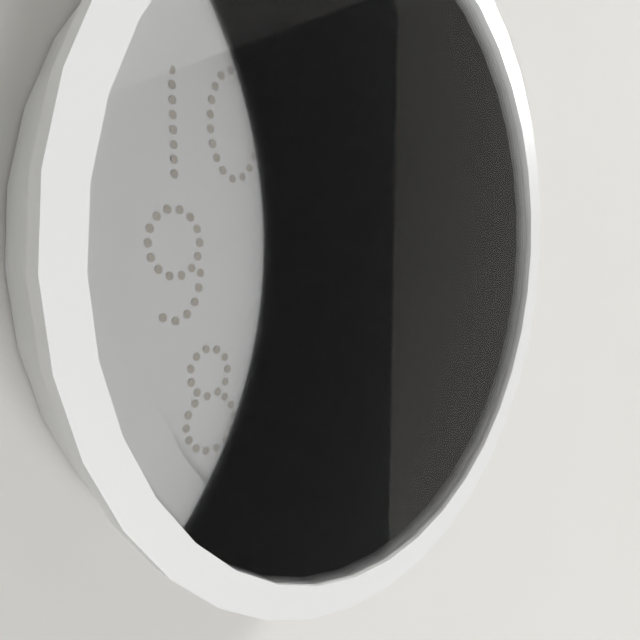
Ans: 1:11
